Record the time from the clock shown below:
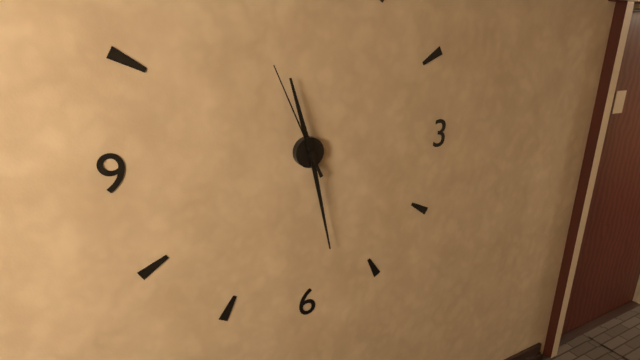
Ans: 11:28:56
